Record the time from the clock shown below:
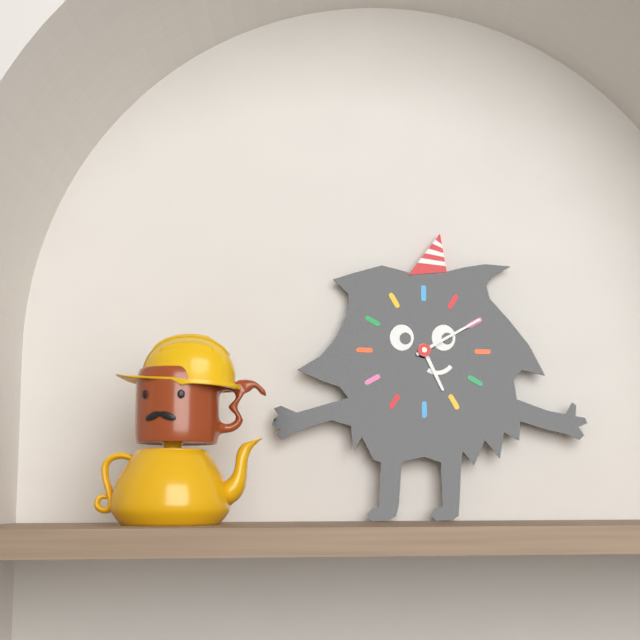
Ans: 5:10
